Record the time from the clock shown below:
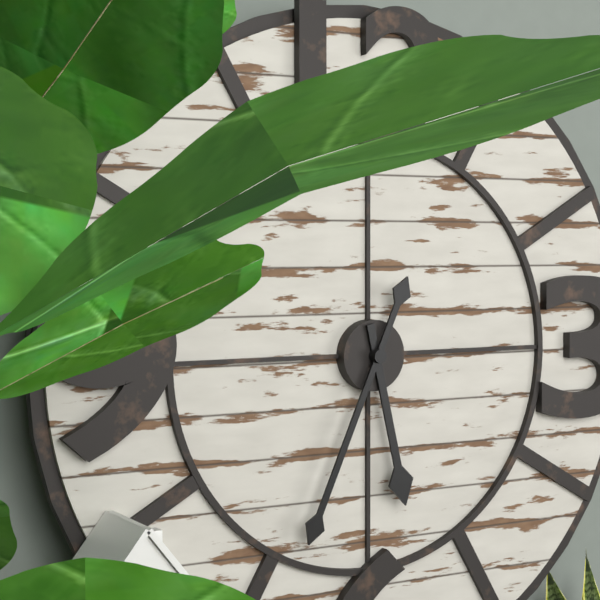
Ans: 5:34
